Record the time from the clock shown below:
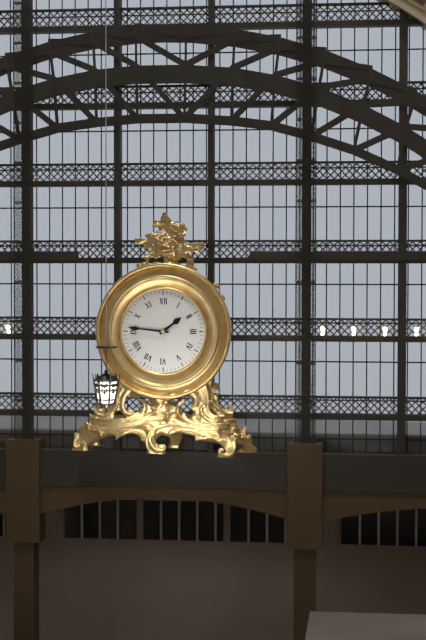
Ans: 1:46
